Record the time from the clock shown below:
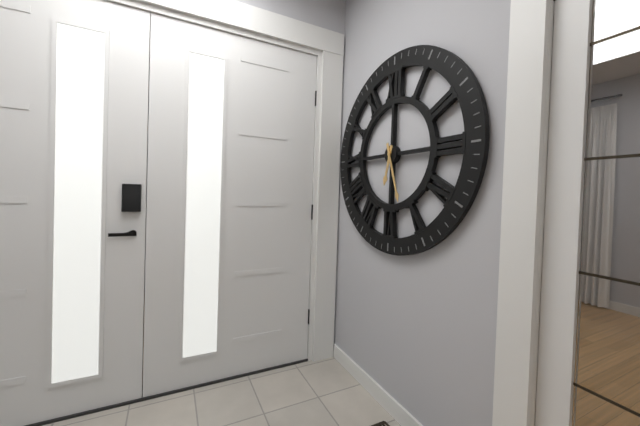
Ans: 6:27
